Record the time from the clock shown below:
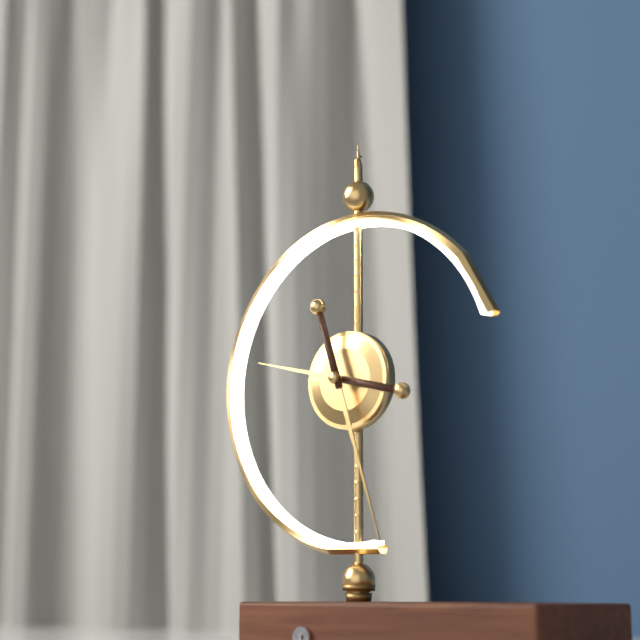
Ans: 9:27
